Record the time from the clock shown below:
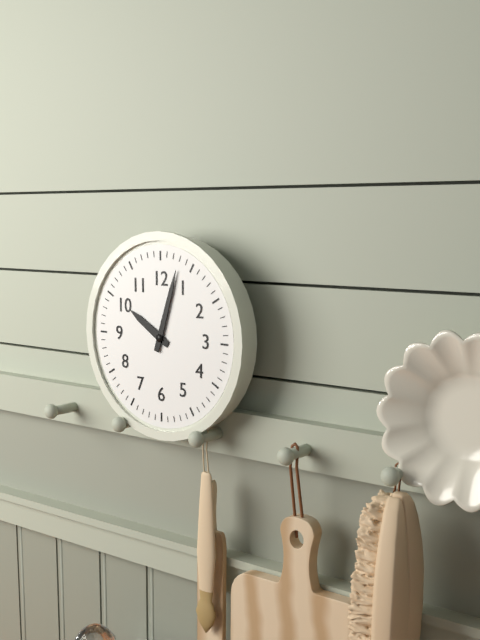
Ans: 10:03
